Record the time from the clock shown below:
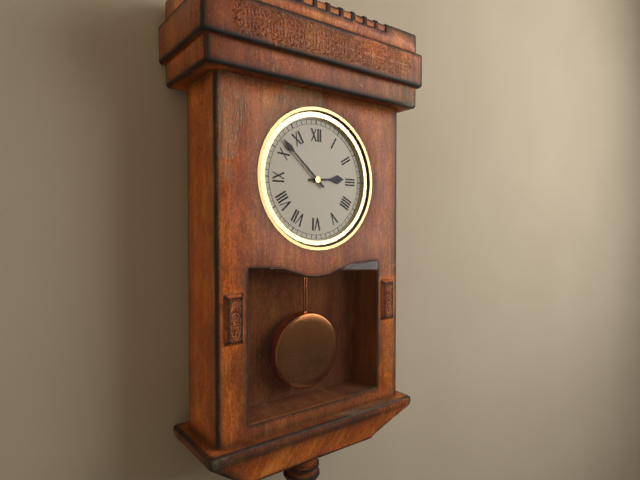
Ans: 2:52
